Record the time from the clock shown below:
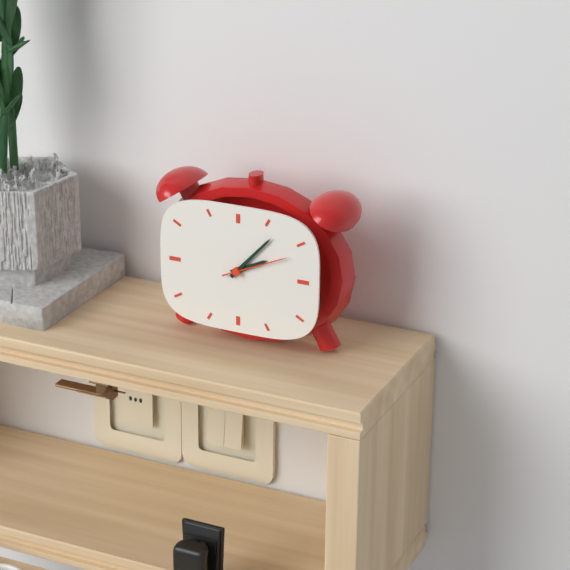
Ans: 2:07:11
